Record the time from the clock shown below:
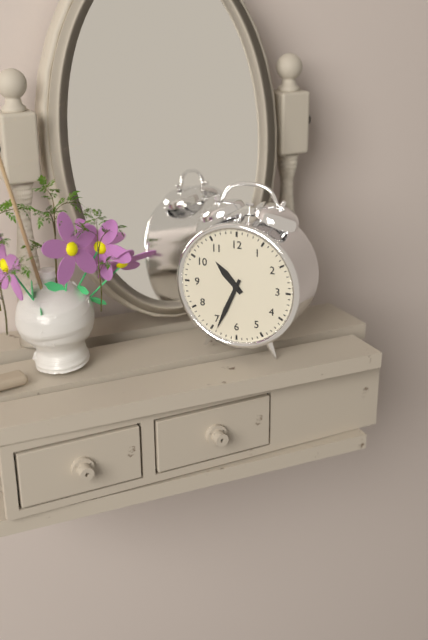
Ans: 10:34
